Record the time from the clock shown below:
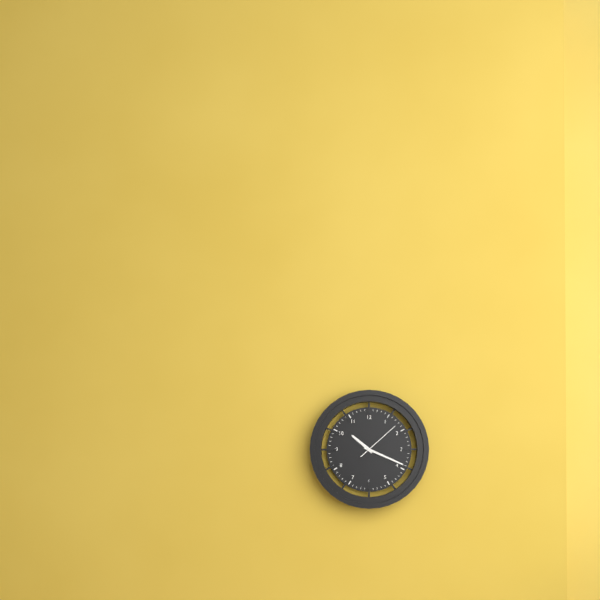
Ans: 10:19
